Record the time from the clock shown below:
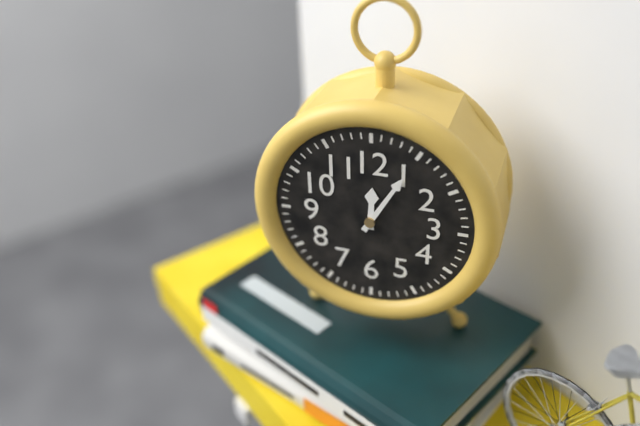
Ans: 12:05
